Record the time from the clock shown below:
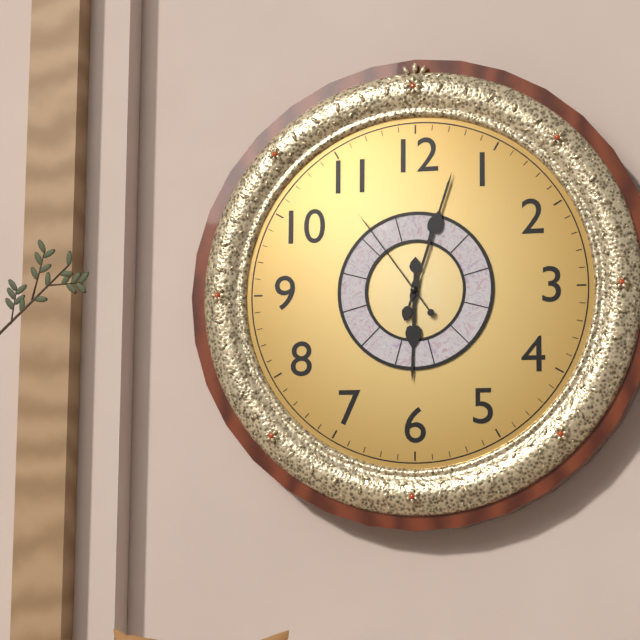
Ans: 6:03:54
